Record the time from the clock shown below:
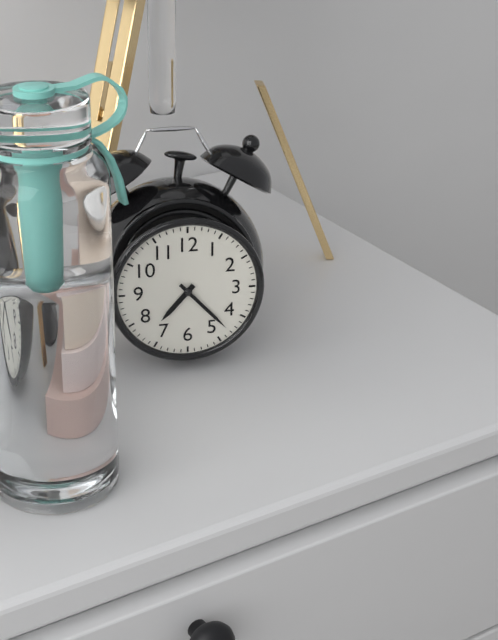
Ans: 7:23
